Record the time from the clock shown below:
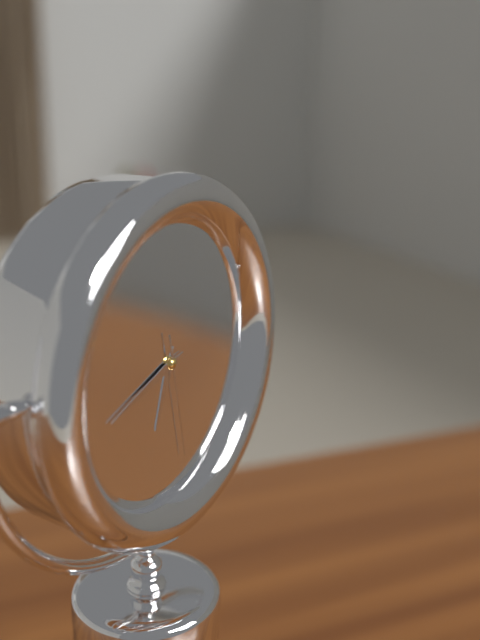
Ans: 6:42:28
